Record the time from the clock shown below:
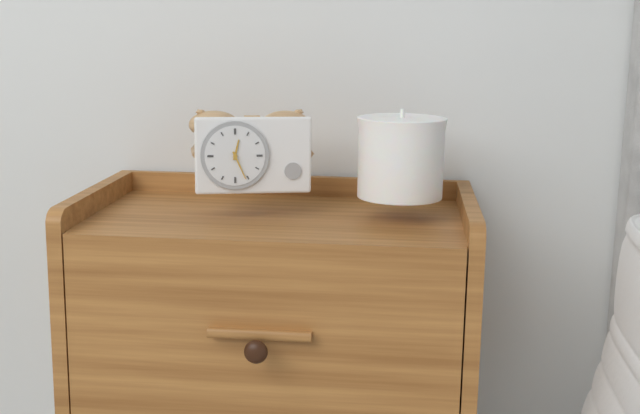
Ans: 12:26
